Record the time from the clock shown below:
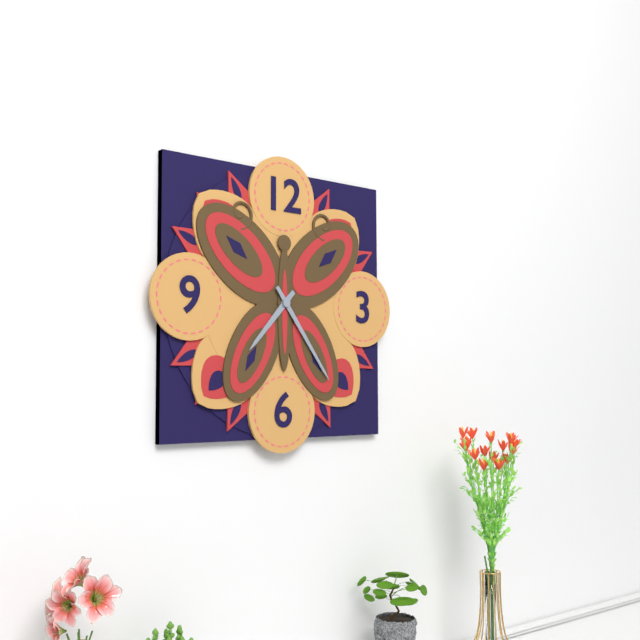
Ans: 7:24
